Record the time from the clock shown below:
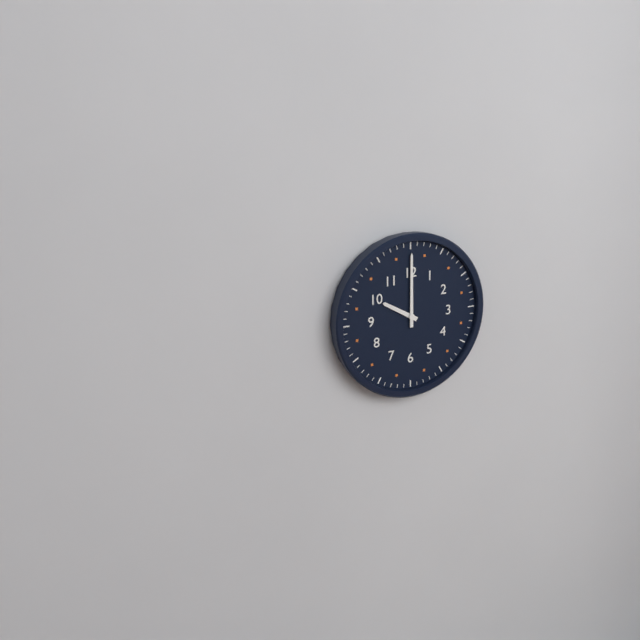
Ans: 10:00
